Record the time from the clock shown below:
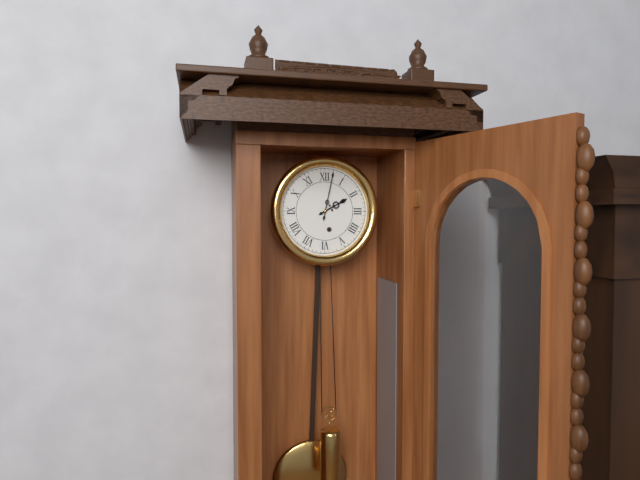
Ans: 2:02
